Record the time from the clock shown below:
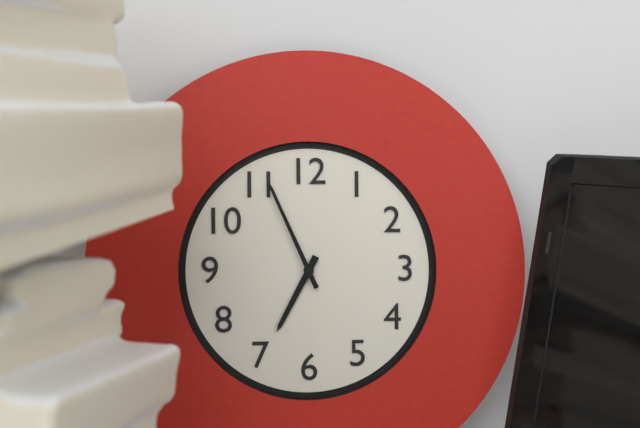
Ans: 6:56
